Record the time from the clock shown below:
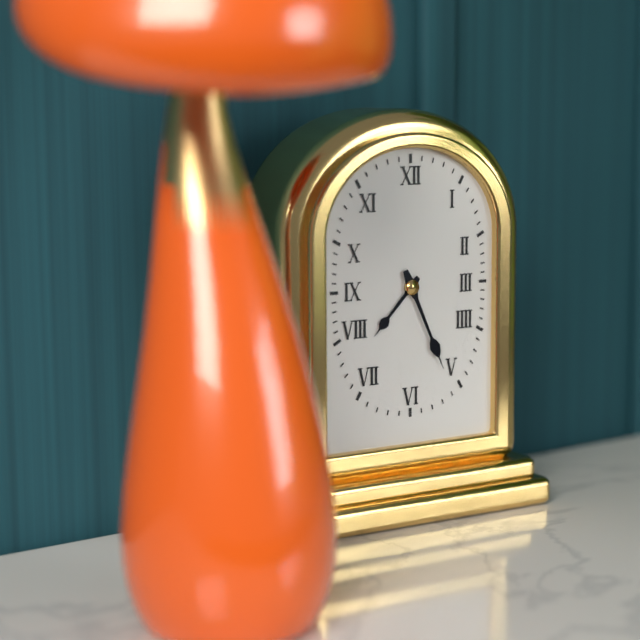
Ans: 7:26
